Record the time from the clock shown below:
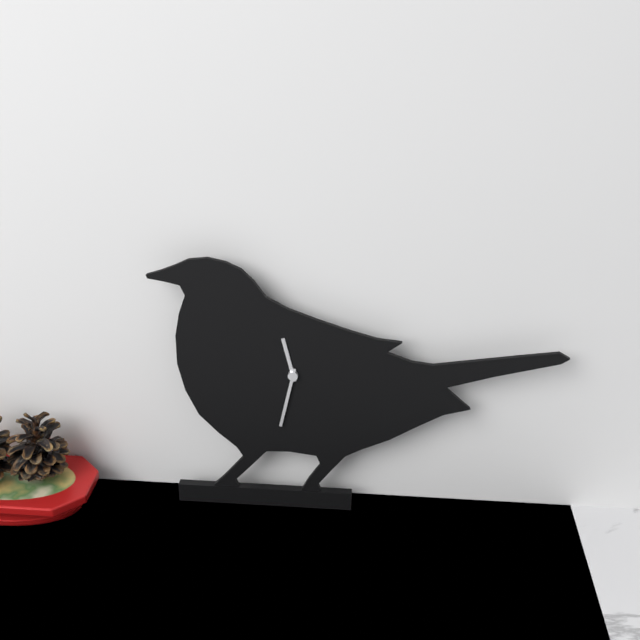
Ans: 11:32
